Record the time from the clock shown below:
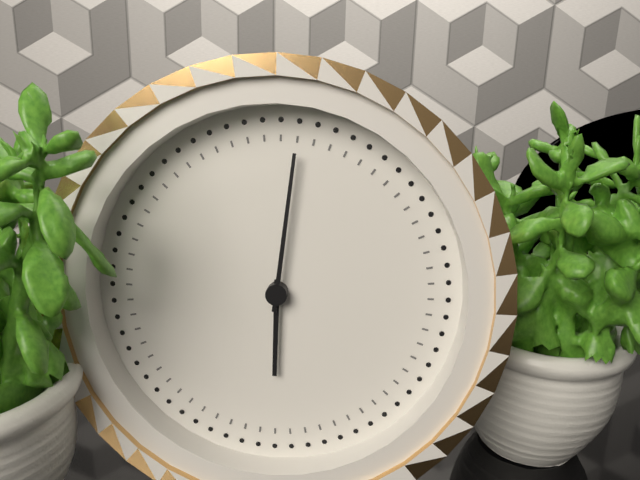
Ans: 6:01
